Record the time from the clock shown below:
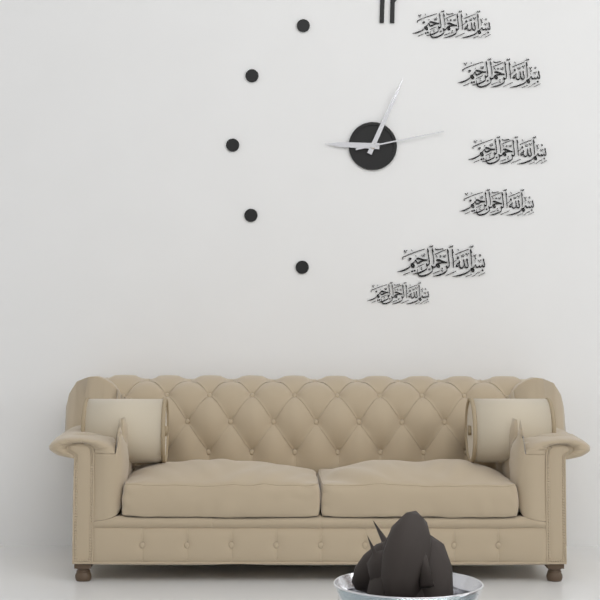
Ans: 9:04:13
